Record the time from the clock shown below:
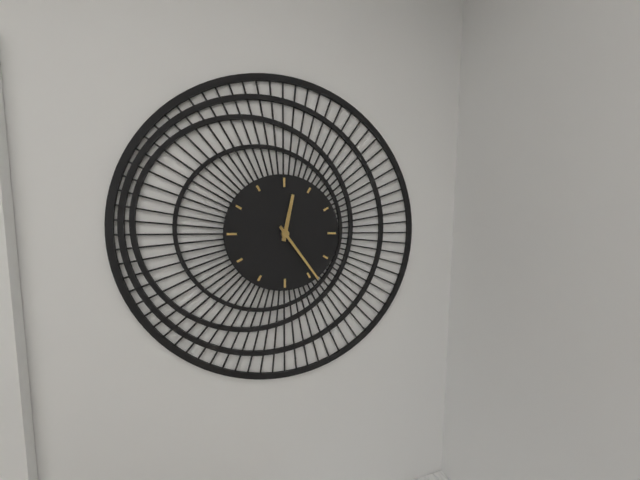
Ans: 12:24
